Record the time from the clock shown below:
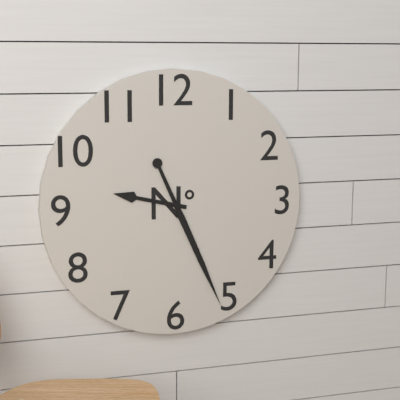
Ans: 9:26
